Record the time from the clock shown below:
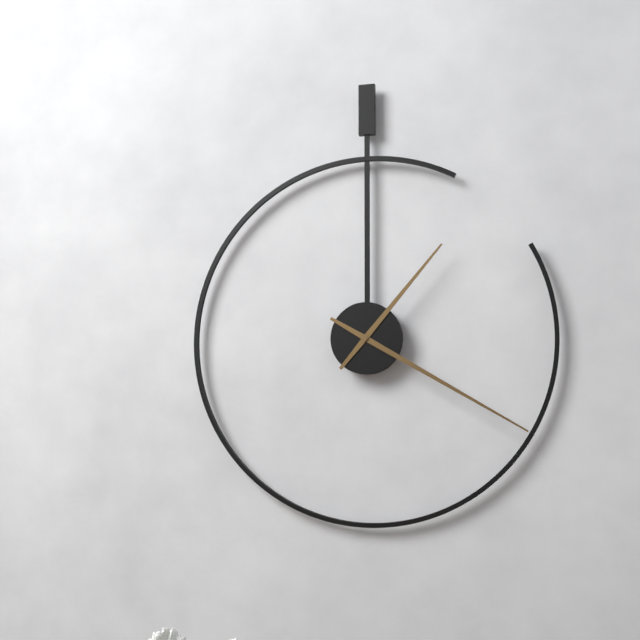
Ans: 1:20
